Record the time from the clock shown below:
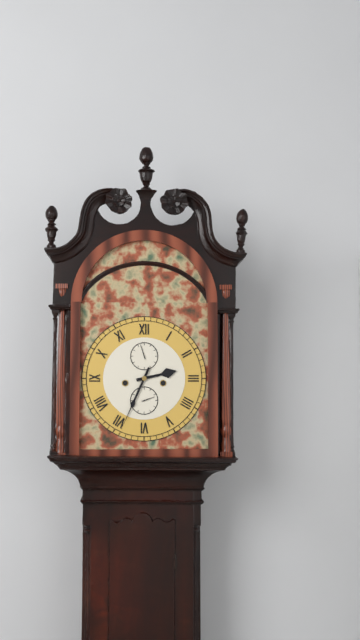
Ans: 2:34
